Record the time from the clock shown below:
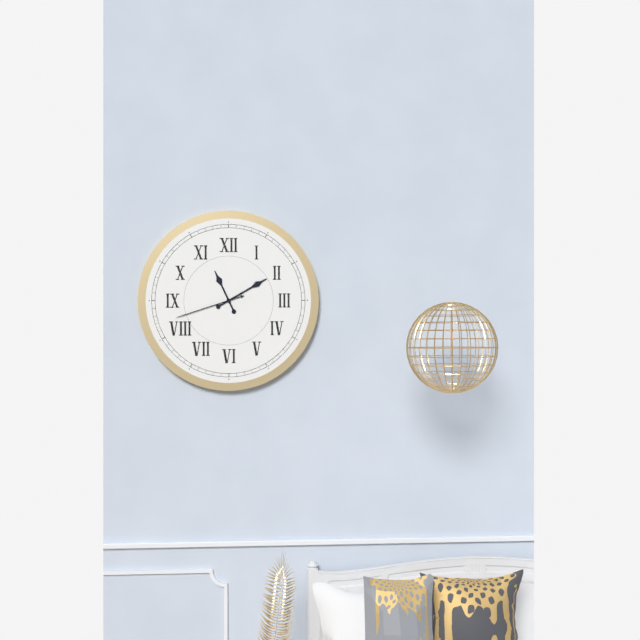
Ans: 11:10:42
